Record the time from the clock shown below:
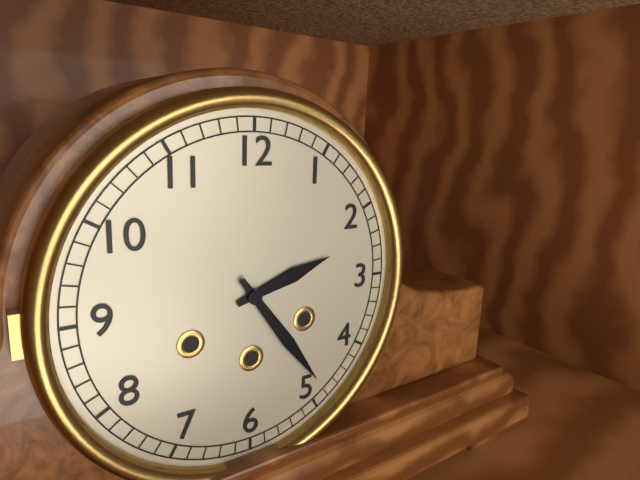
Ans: 2:24
